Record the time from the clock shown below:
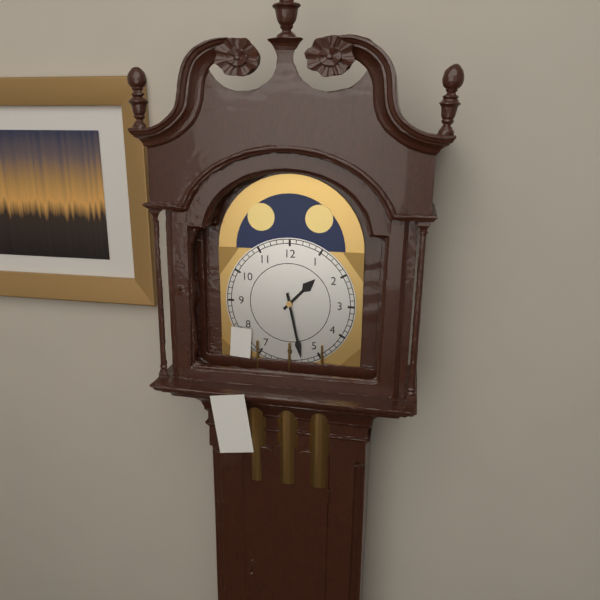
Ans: 1:28
